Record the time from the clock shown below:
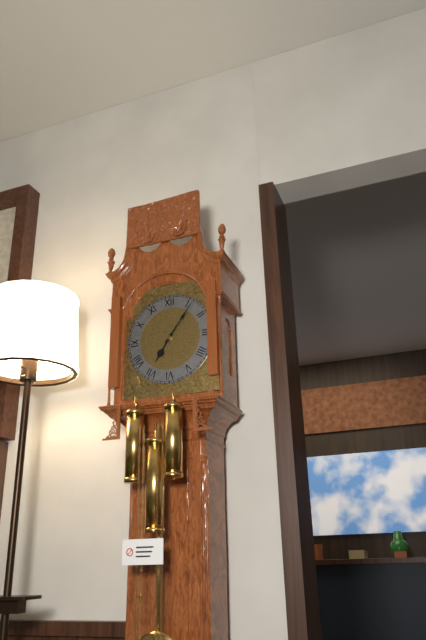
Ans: 7:06
